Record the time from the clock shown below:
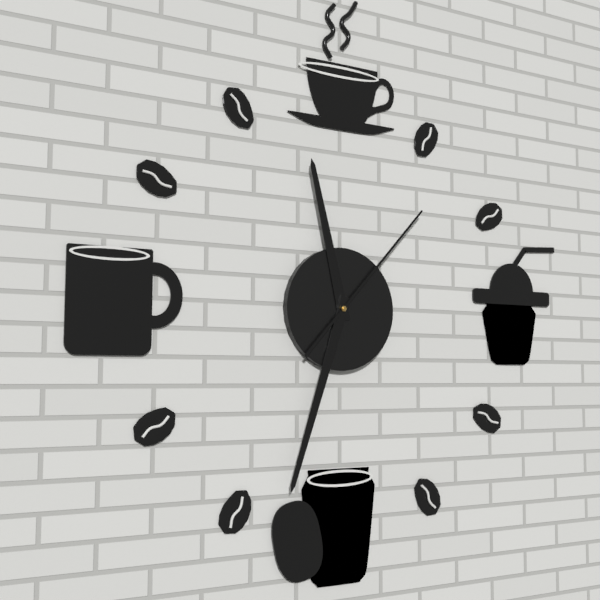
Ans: 11:33:07
